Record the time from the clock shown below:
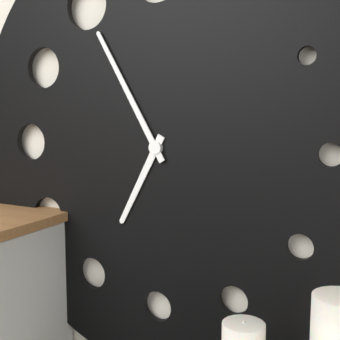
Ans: 6:55
